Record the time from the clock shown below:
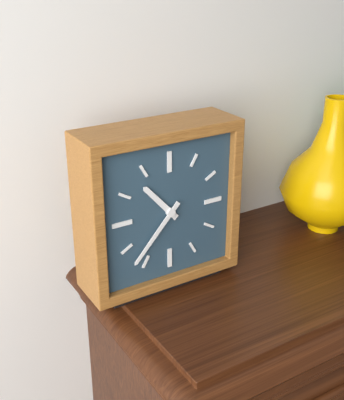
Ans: 10:37
